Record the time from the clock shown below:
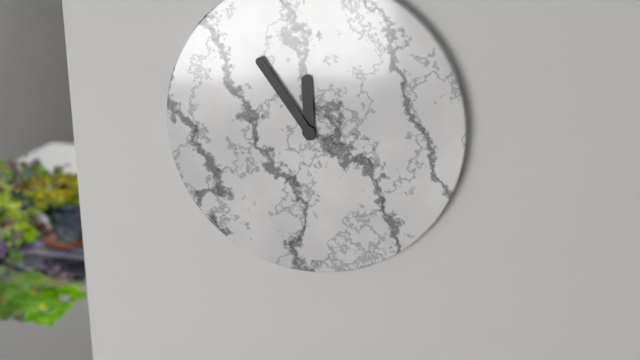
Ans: 11:54
